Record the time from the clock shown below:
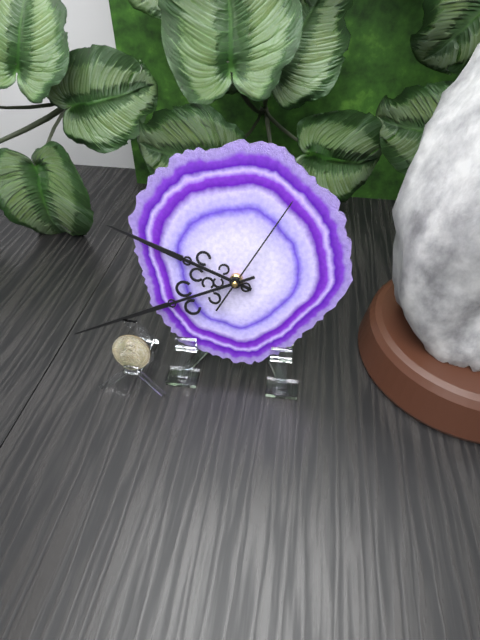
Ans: 9:41:05
